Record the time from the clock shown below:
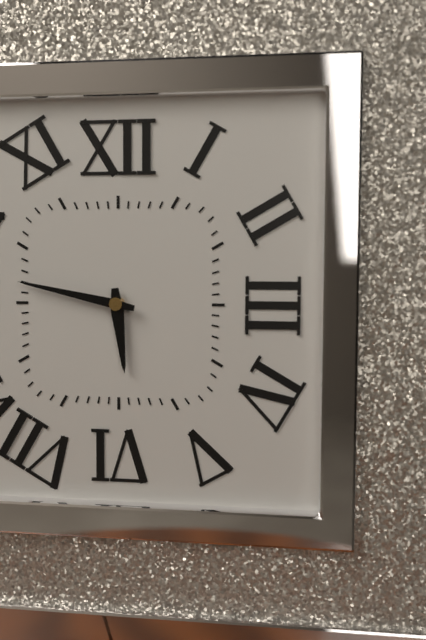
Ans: 5:47
